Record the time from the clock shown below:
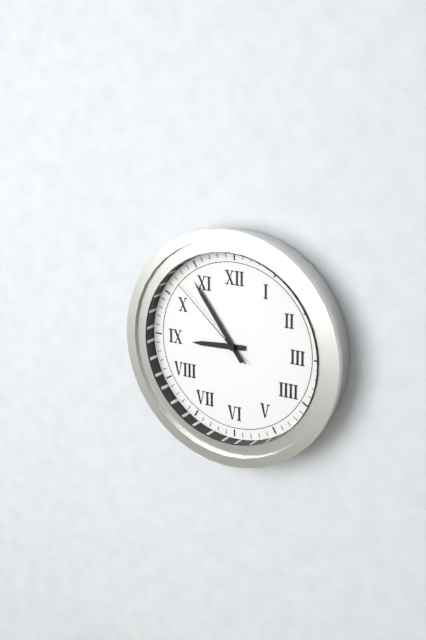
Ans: 8:54:52
